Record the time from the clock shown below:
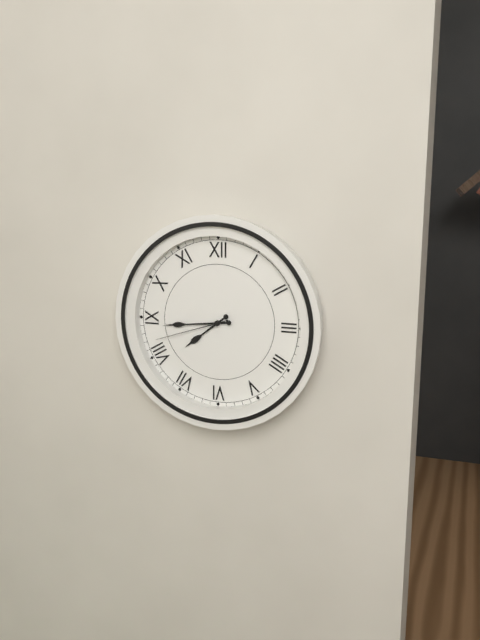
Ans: 7:44:42
